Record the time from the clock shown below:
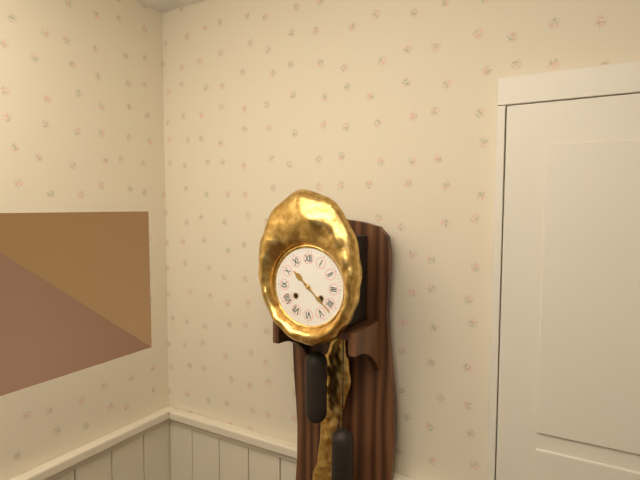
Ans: 10:22
